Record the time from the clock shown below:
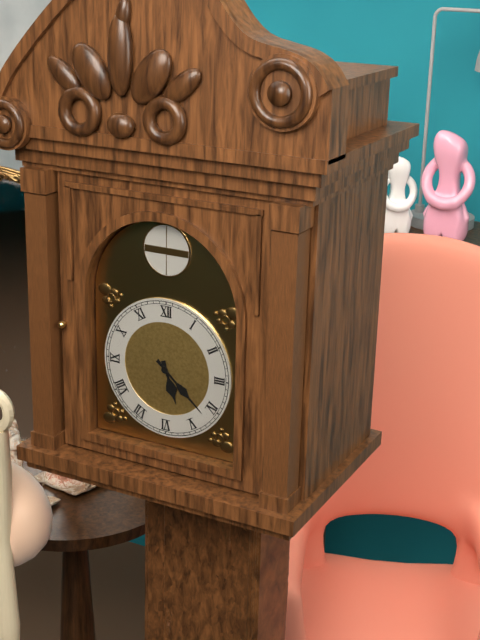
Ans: 5:22
